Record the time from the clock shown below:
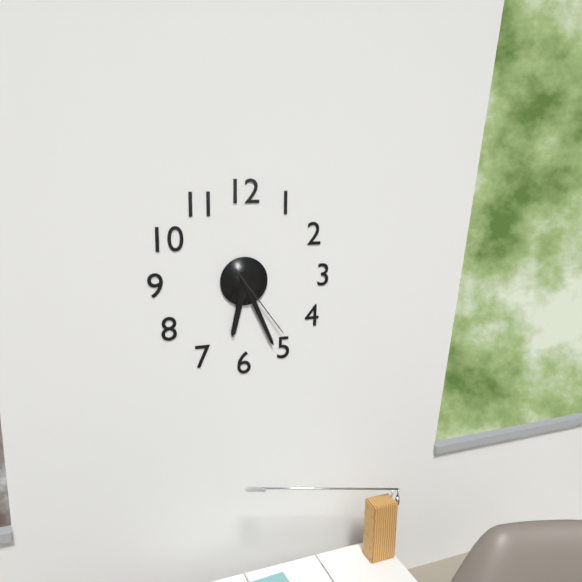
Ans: 6:26:24
